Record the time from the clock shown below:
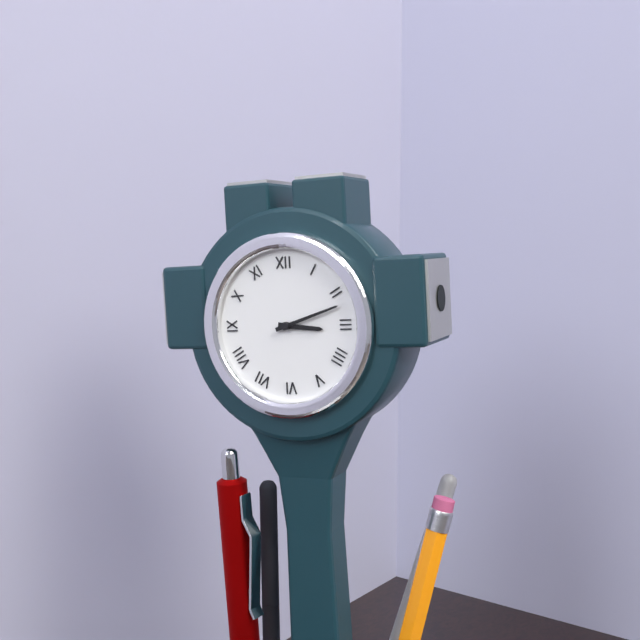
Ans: 3:12
